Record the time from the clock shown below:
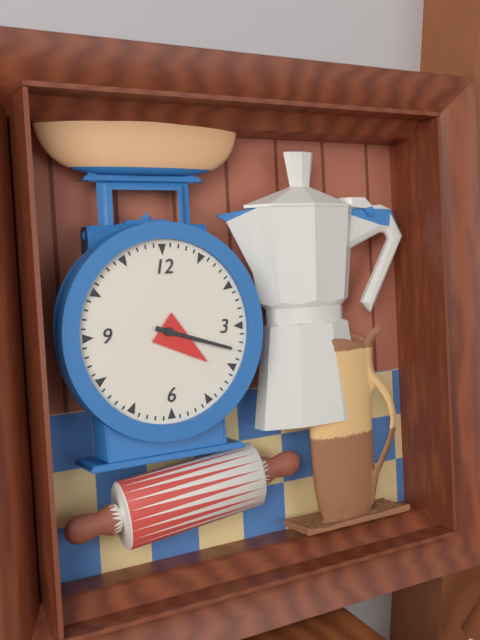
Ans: 4:18
